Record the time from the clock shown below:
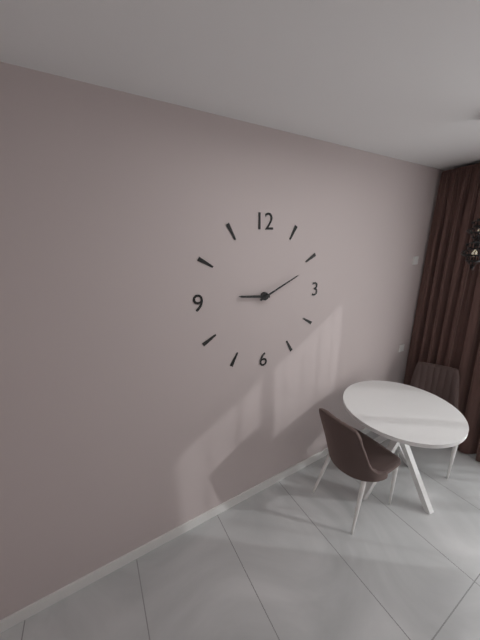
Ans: 9:11
